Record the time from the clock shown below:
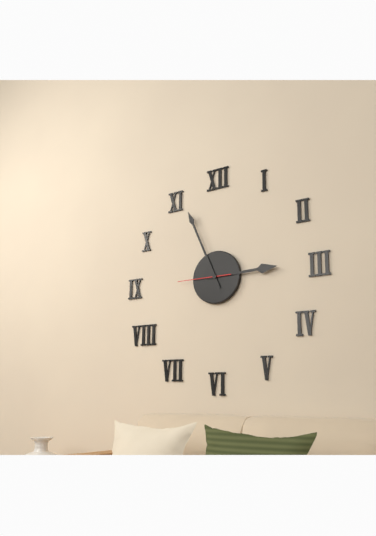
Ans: 2:56:45
